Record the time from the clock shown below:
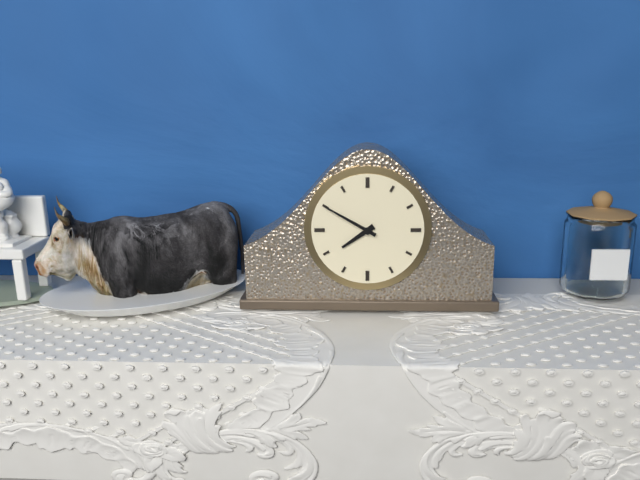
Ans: 7:50
